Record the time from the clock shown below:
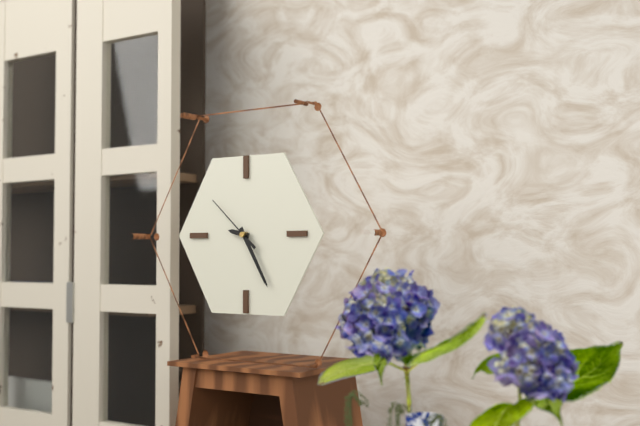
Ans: 9:25:52
